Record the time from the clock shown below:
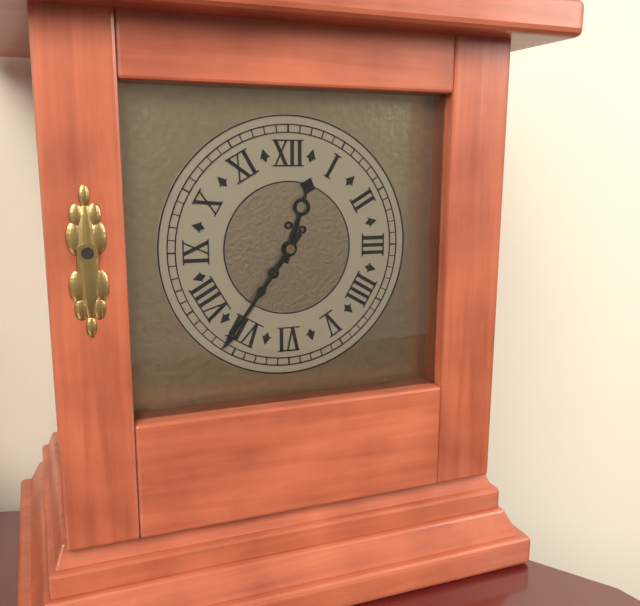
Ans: 12:36
